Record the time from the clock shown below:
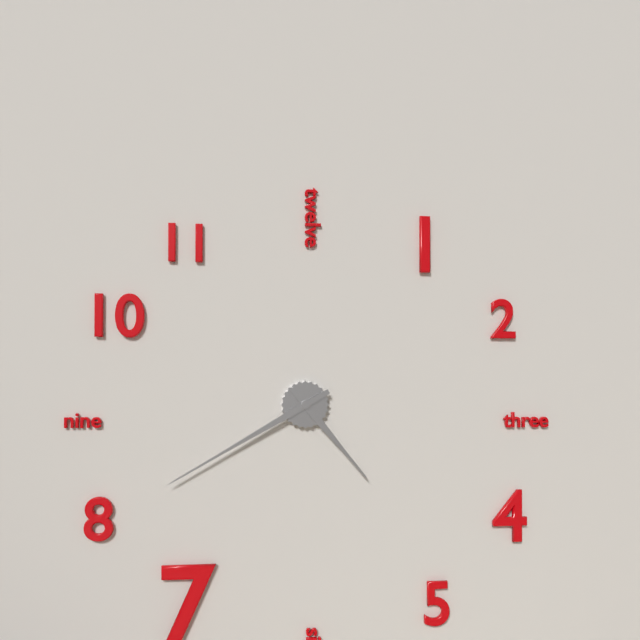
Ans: 4:40
